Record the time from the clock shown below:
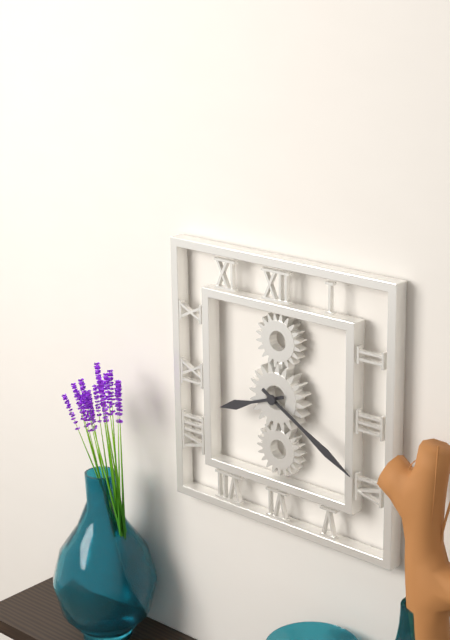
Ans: 8:20
